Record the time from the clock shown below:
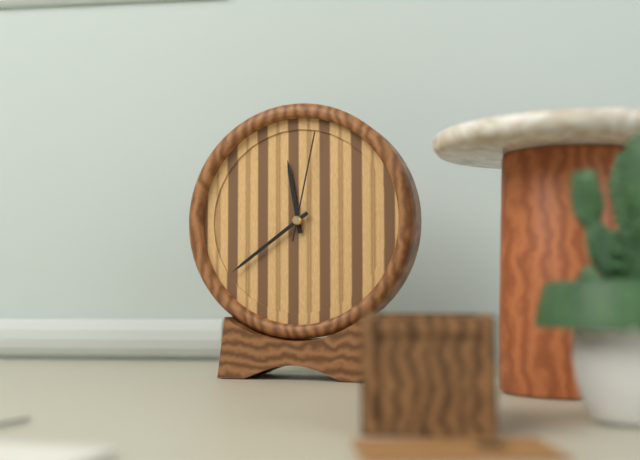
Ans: 11:39:02
